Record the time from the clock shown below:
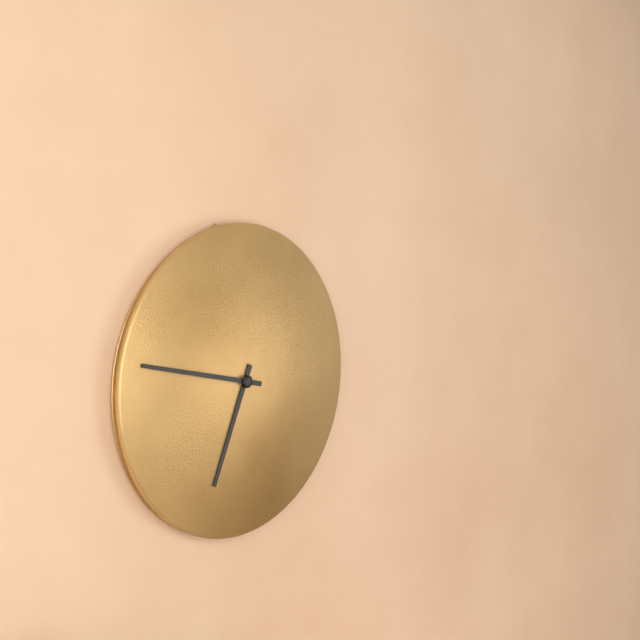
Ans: 6:47
